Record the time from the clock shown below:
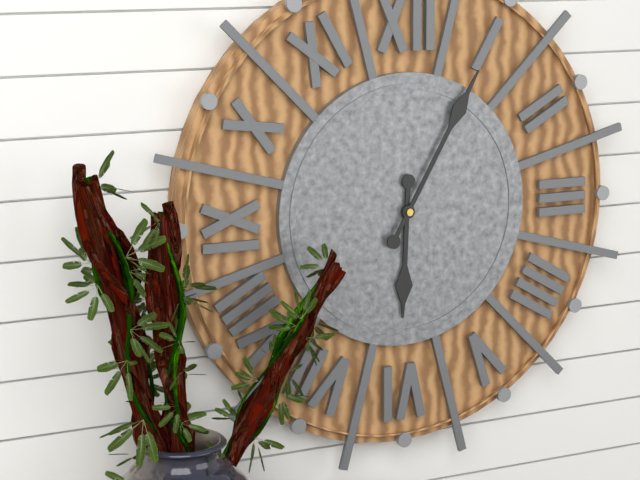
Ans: 6:05
